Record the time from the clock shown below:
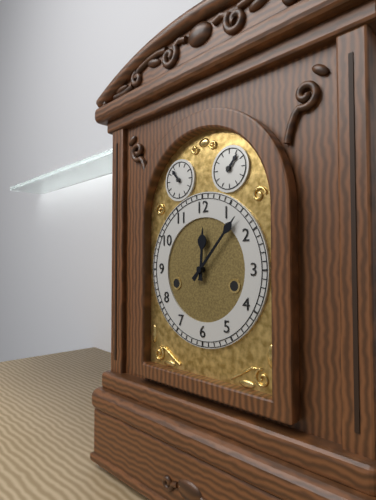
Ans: 12:07
